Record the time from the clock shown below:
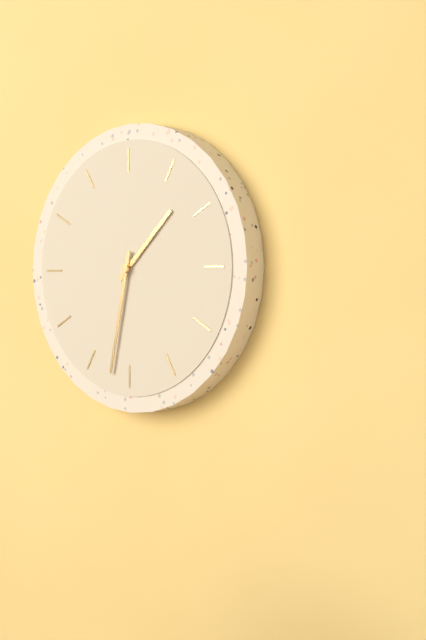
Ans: 1:32
